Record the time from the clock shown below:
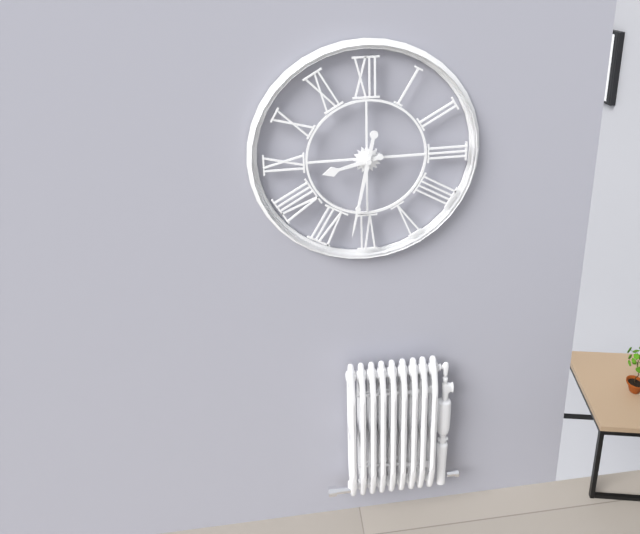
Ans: 8:32
